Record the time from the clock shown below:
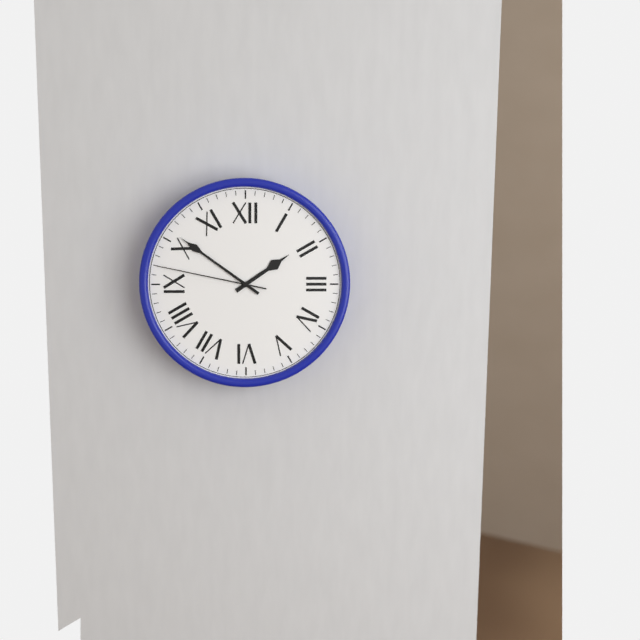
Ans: 1:51:47
